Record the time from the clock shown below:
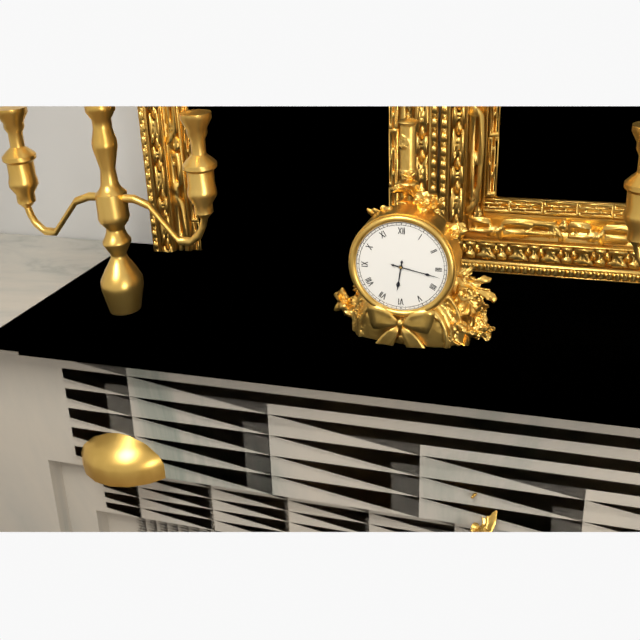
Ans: 6:17
